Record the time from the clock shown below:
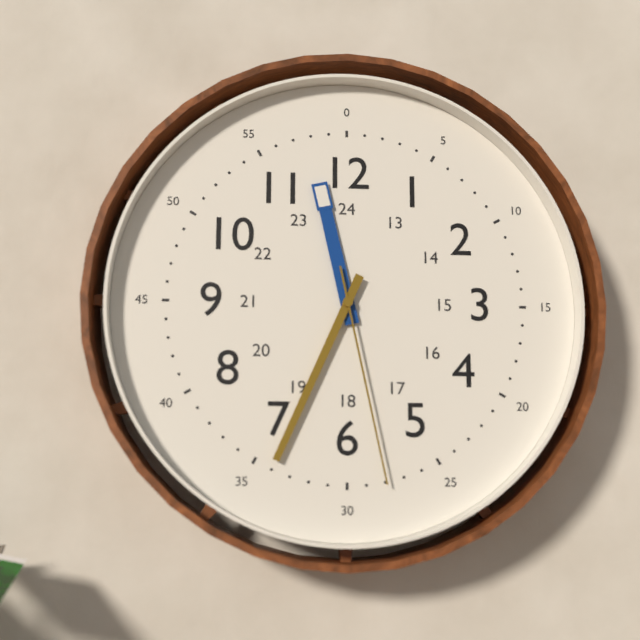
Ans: 11:34:28
